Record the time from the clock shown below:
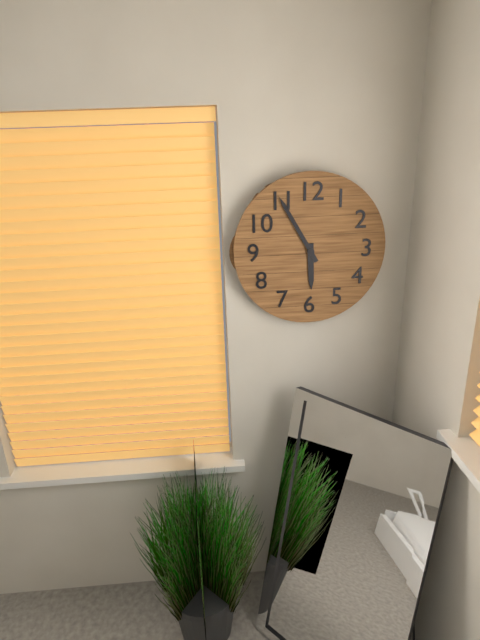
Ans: 5:55
